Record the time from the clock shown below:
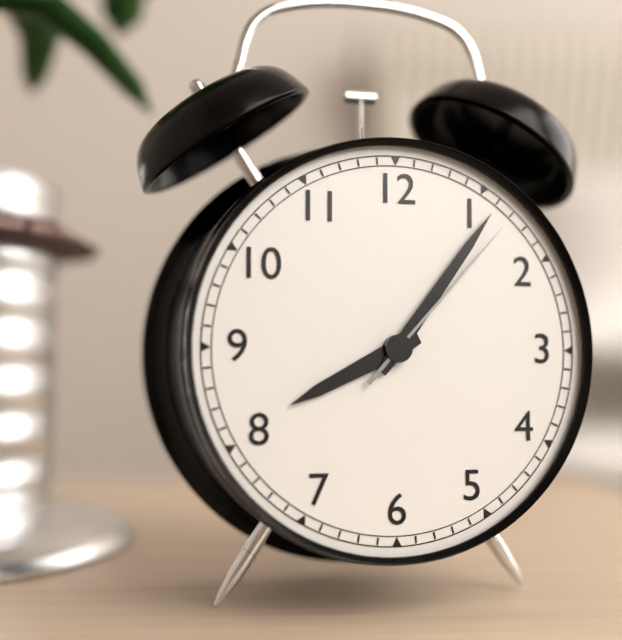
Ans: 8:06:07
